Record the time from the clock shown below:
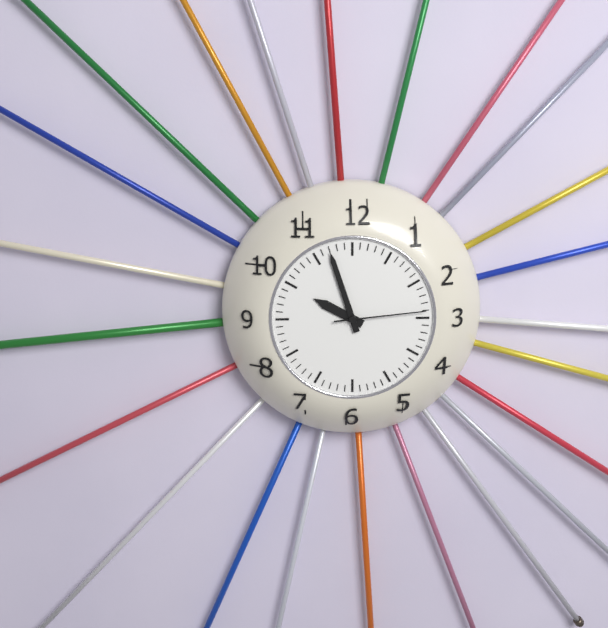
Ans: 9:57:14
